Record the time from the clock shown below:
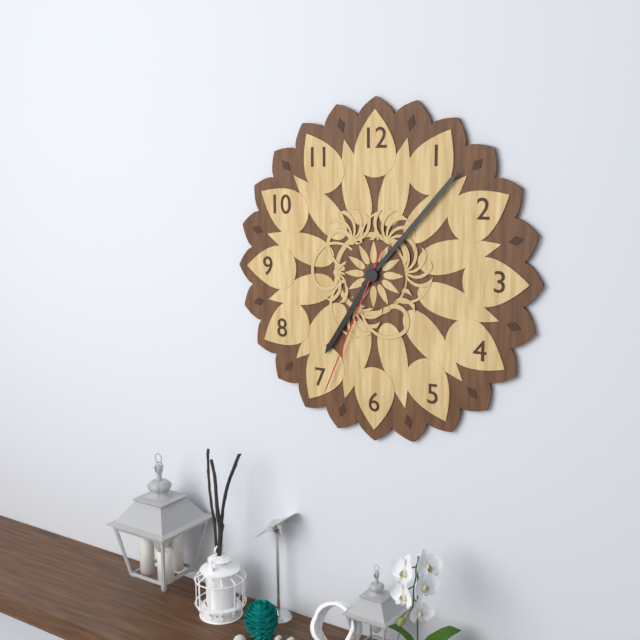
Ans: 7:07:34
